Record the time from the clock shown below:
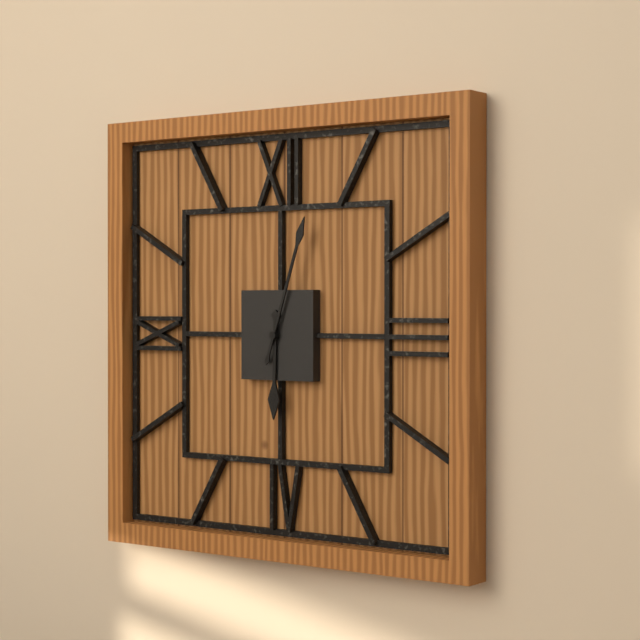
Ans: 6:03
